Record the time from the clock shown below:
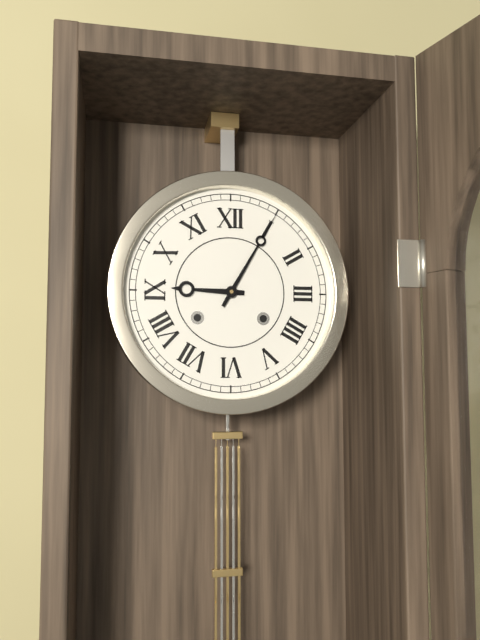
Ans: 9:05
